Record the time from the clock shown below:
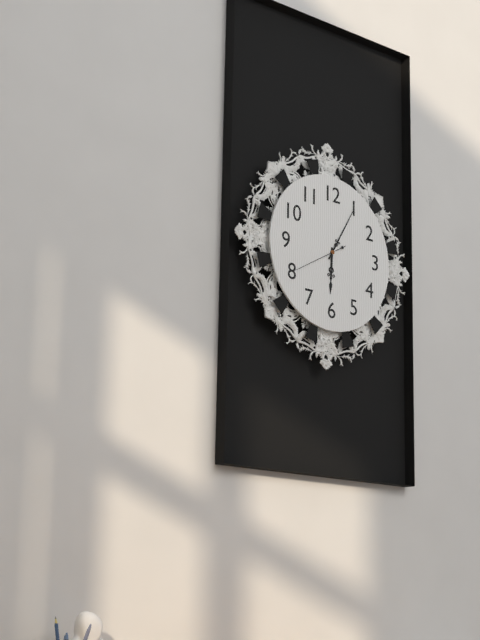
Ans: 6:05
